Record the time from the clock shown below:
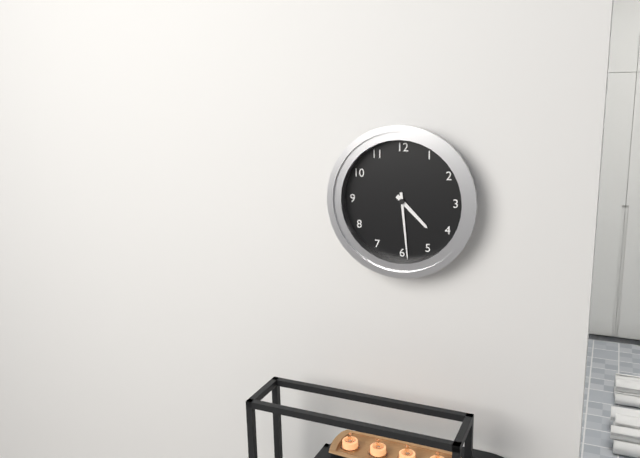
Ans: 4:29
